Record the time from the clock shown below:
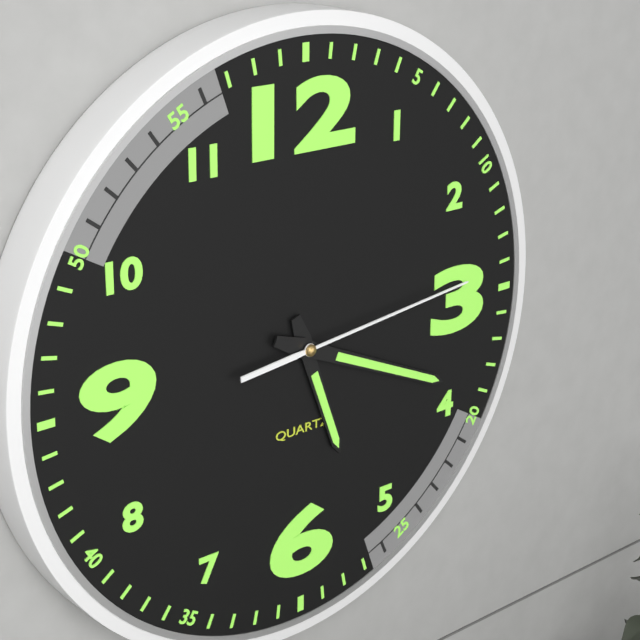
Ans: 5:19:14
